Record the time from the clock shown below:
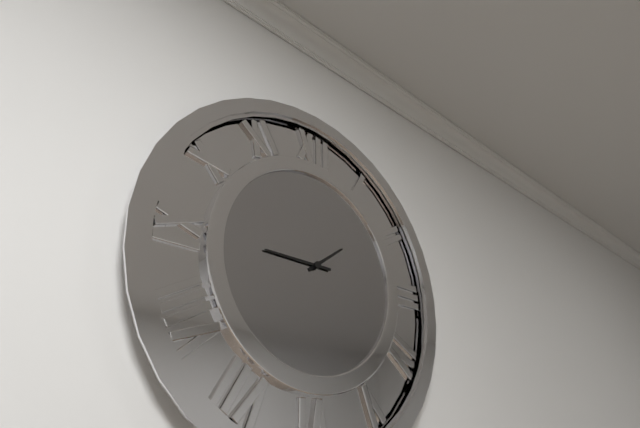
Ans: 1:45
